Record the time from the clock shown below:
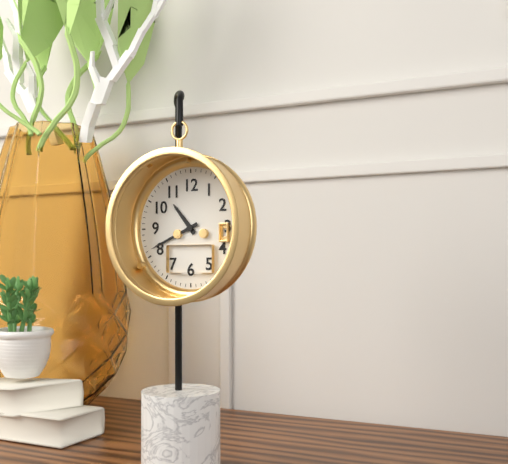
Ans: 10:41
